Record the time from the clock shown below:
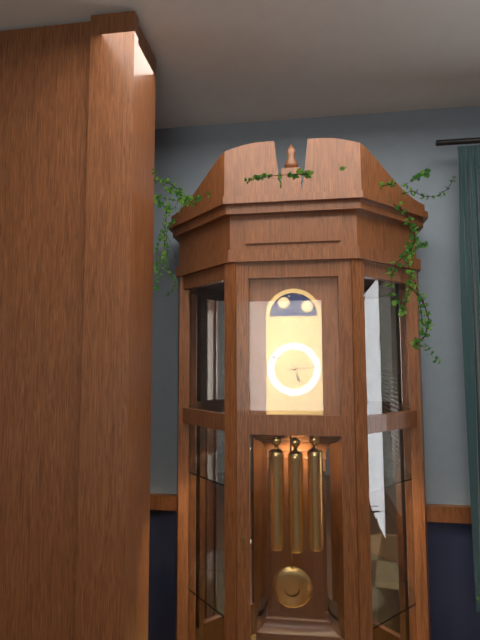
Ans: 5:14
